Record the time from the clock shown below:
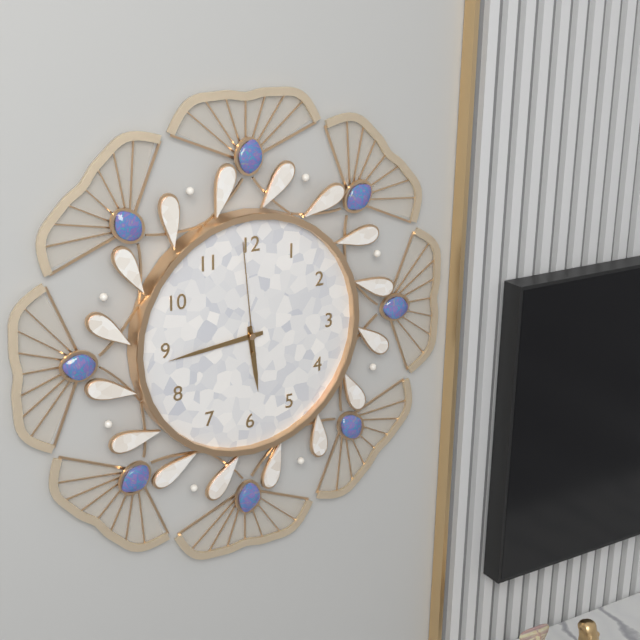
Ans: 5:44:59
